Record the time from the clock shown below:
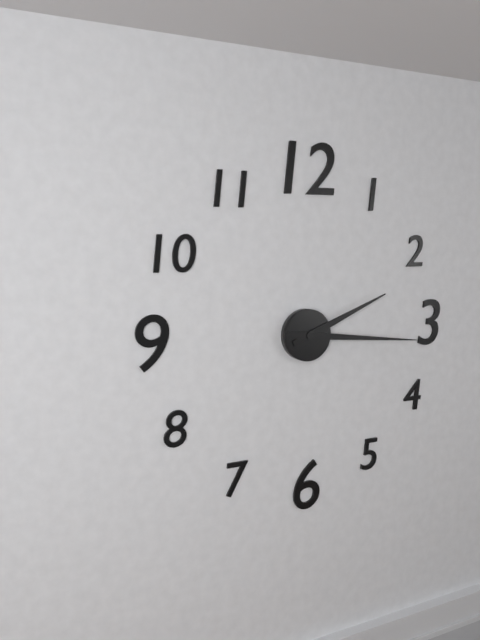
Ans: 2:16
